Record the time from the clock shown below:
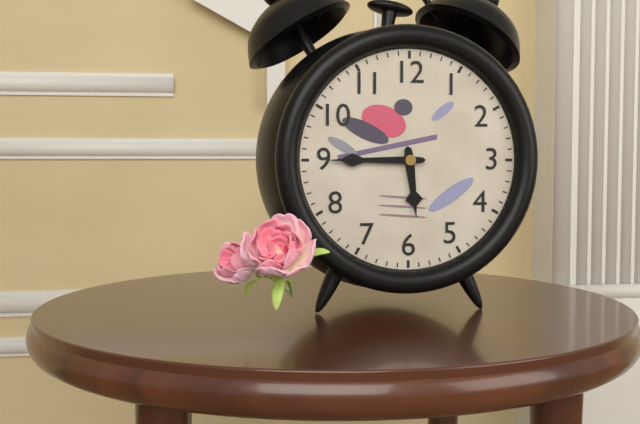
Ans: 5:45
